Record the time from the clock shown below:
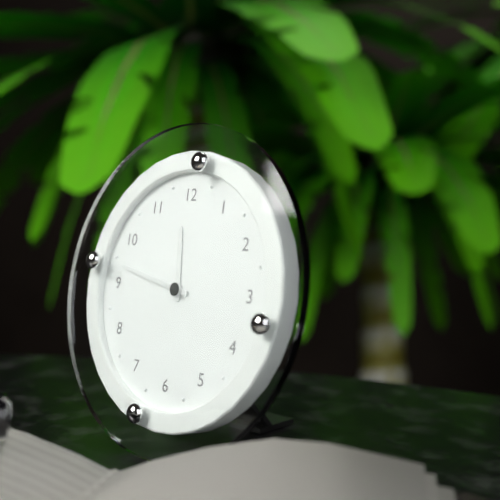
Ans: 11:47
